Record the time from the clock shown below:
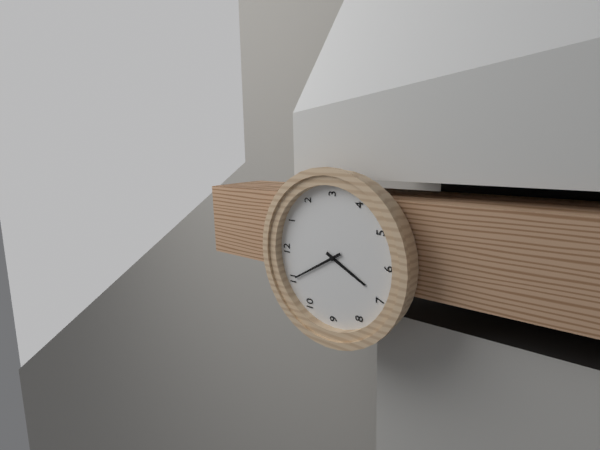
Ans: 6:55
